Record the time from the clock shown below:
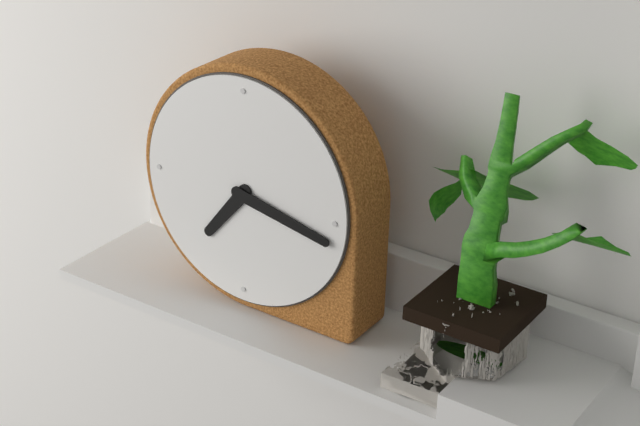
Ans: 7:17
